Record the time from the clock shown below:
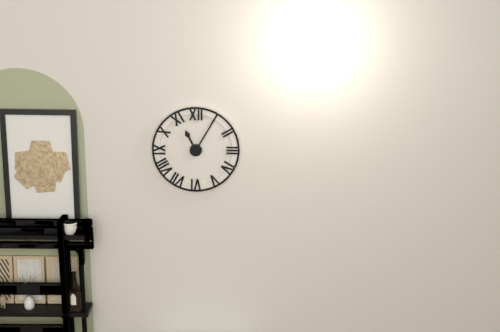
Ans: 11:05
